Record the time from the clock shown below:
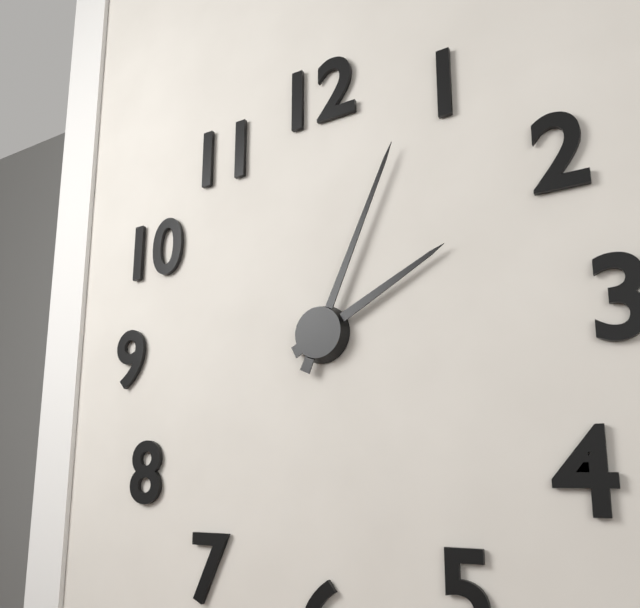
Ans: 2:04
